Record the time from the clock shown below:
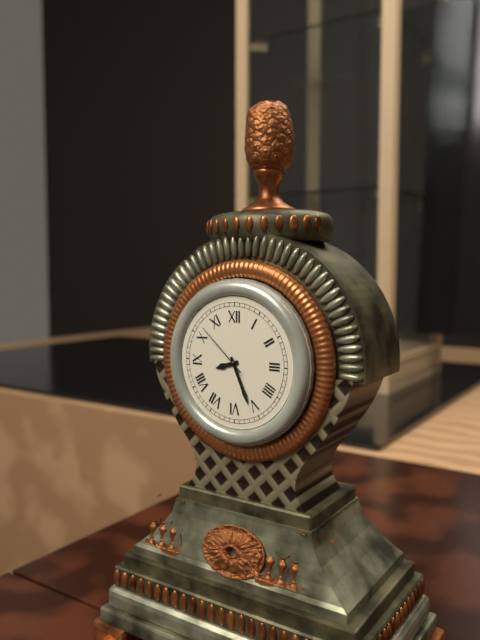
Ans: 8:26:52
